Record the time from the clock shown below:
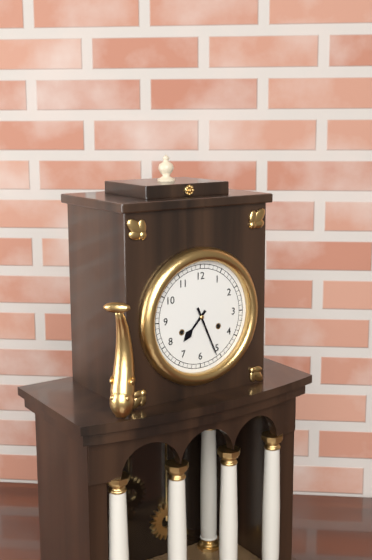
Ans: 7:26
